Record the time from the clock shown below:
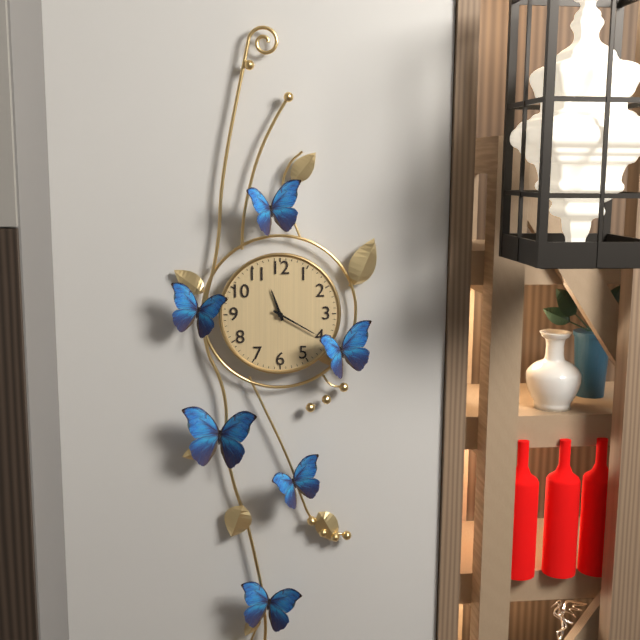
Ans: 11:20
